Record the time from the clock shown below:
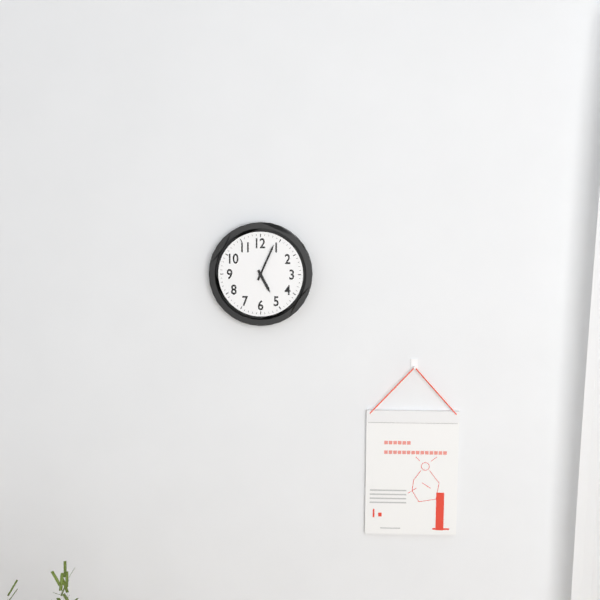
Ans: 5:04
